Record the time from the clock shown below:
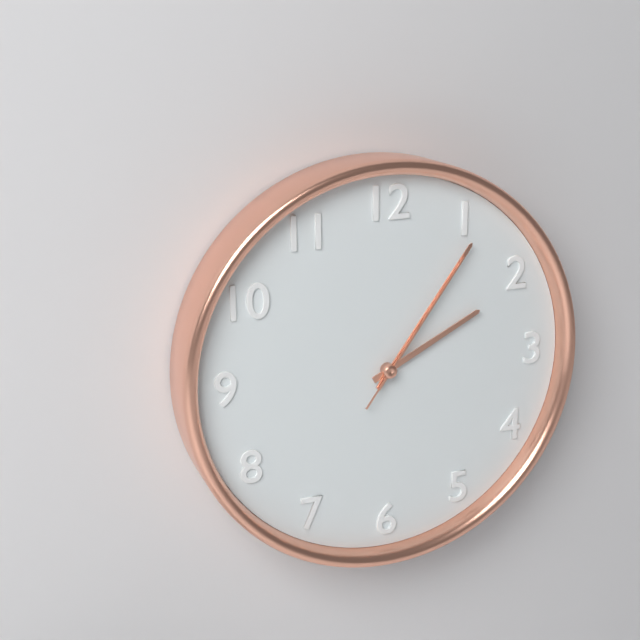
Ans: 2:06:06
